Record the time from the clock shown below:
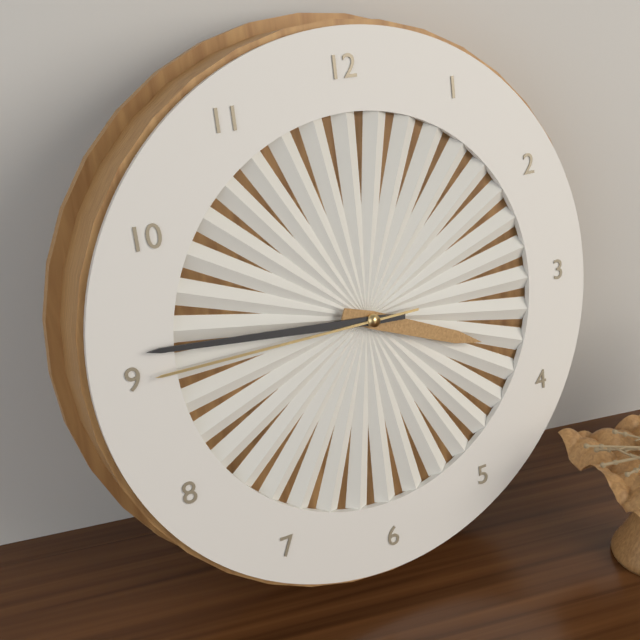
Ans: 3:46:45
